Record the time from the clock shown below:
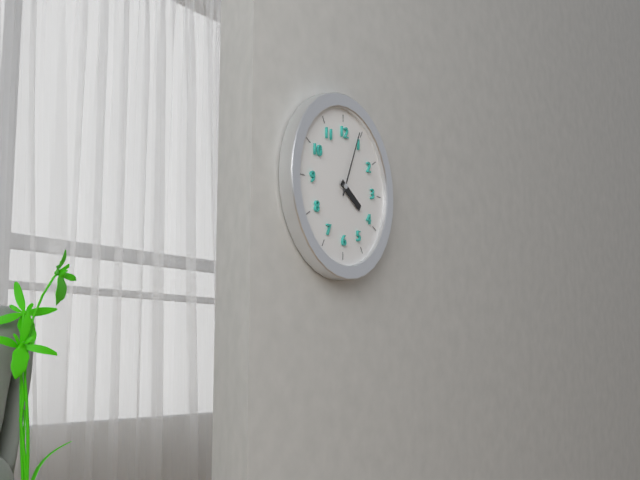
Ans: 4:04
